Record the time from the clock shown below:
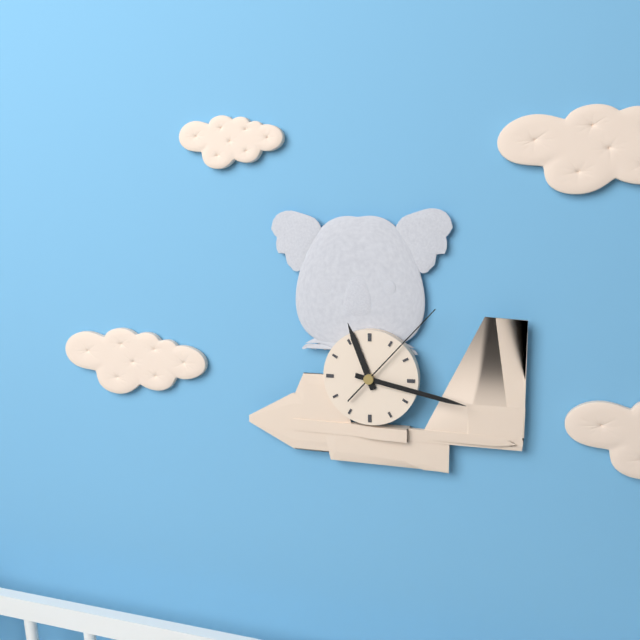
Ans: 11:17:07
